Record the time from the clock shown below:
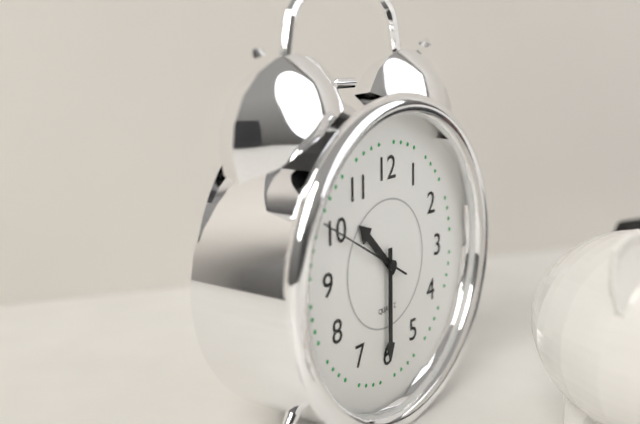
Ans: 10:30:50
